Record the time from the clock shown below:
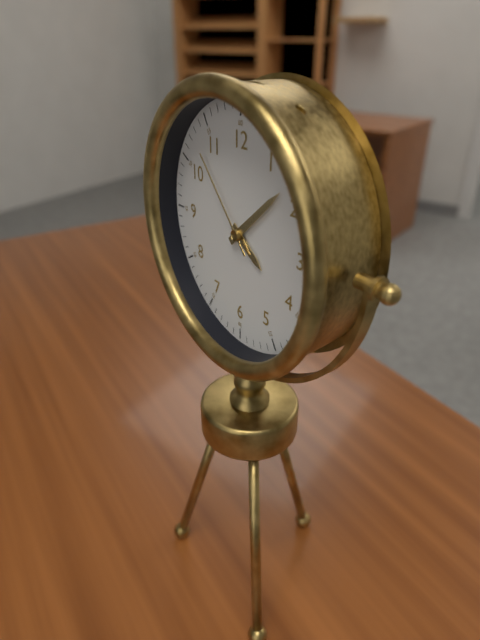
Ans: 4:08:53
